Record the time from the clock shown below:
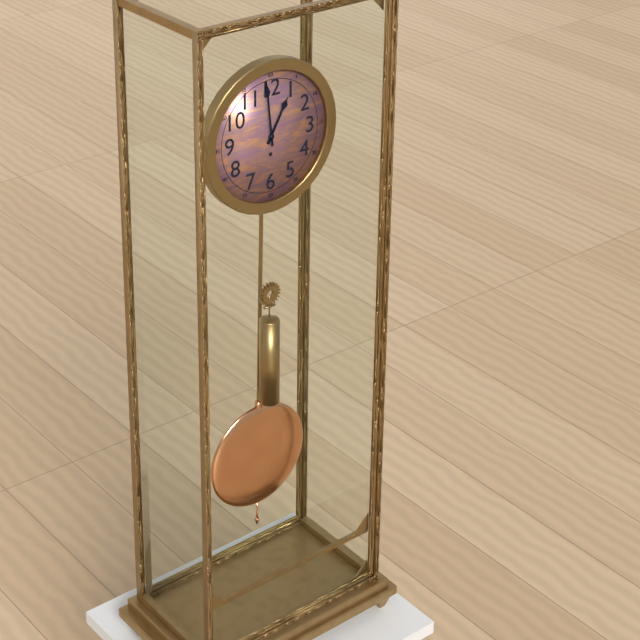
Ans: 12:59
